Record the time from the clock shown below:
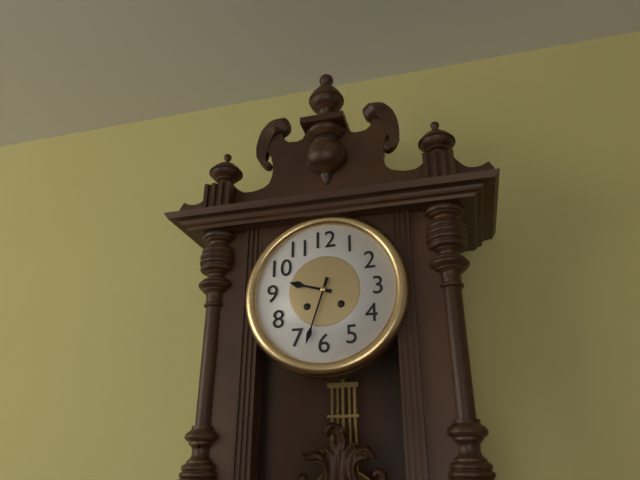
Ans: 9:33
